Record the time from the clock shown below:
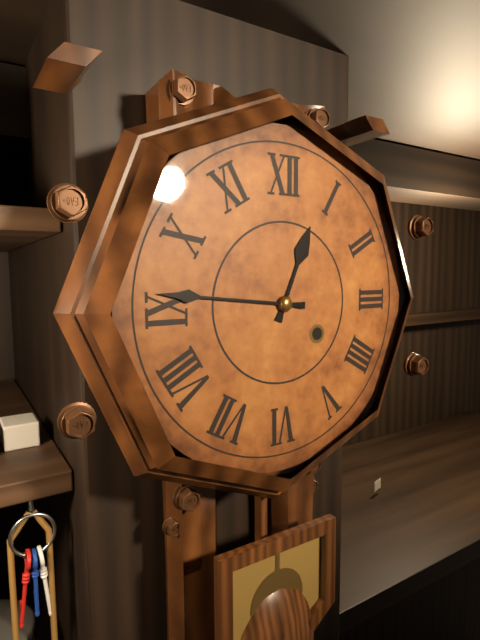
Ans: 12:46
